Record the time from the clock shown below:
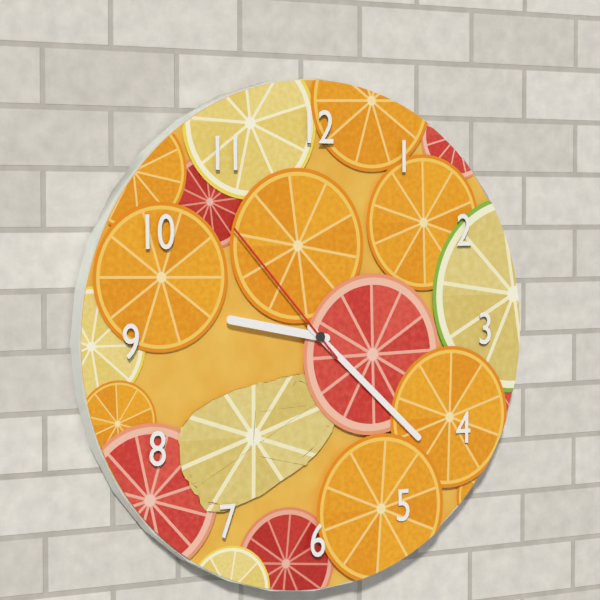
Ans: 9:22:53
